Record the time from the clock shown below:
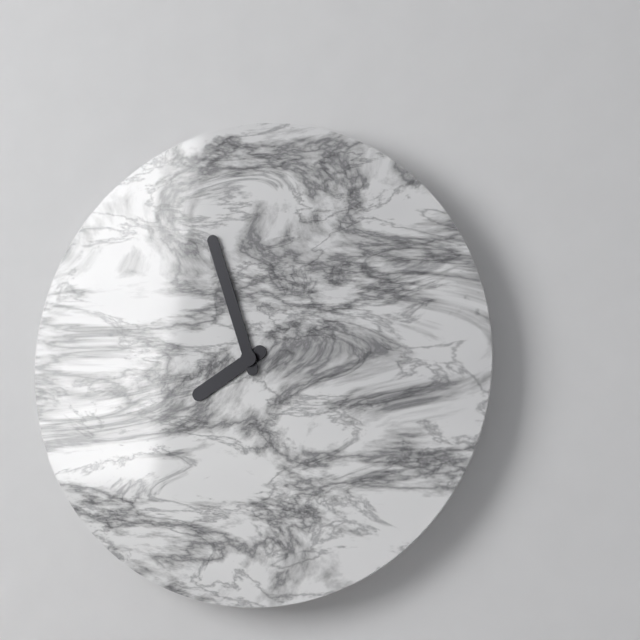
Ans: 7:57
